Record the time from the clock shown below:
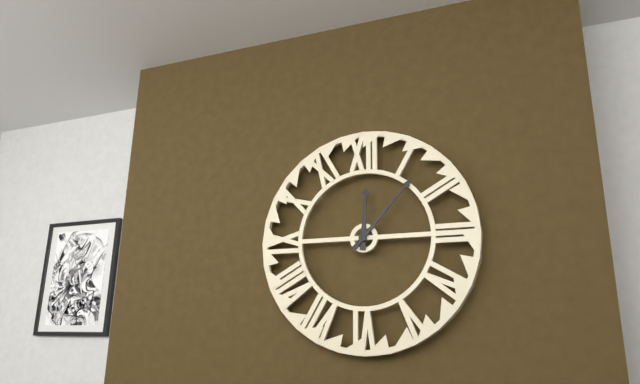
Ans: 12:07
